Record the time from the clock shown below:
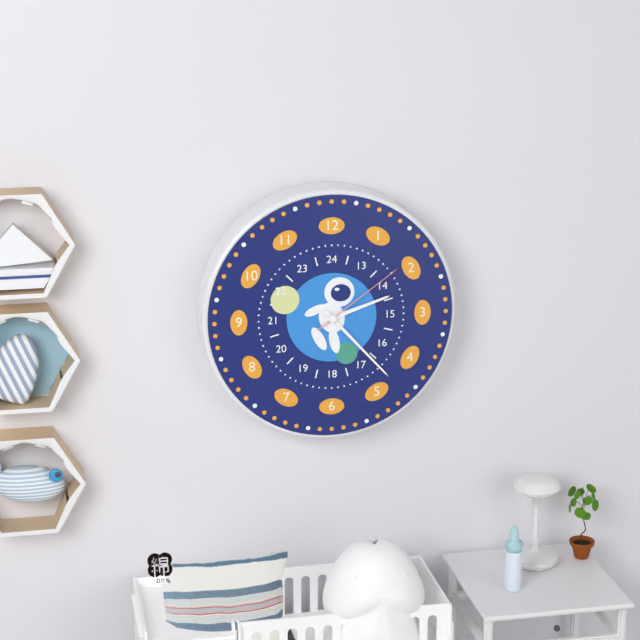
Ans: 2:23:09
